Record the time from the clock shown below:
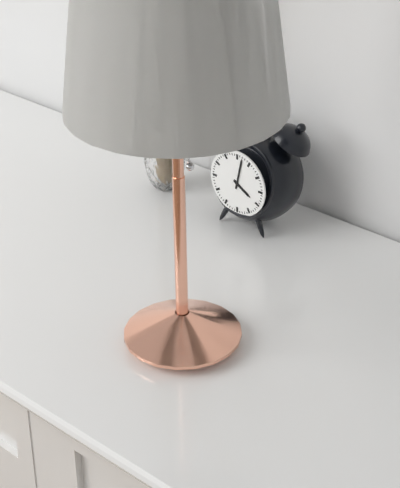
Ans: 4:02
